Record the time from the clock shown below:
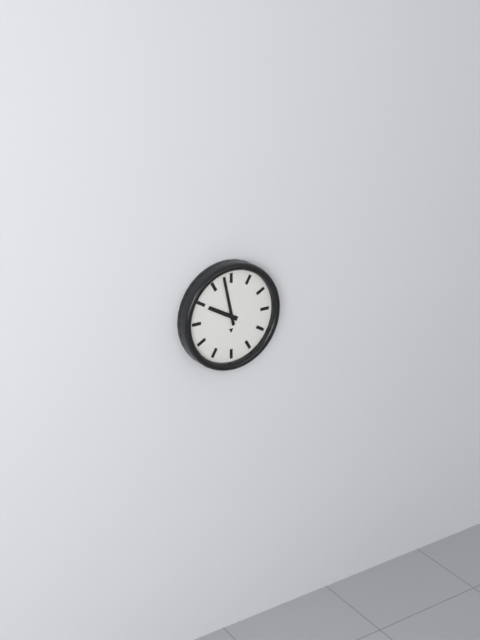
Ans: 9:58
